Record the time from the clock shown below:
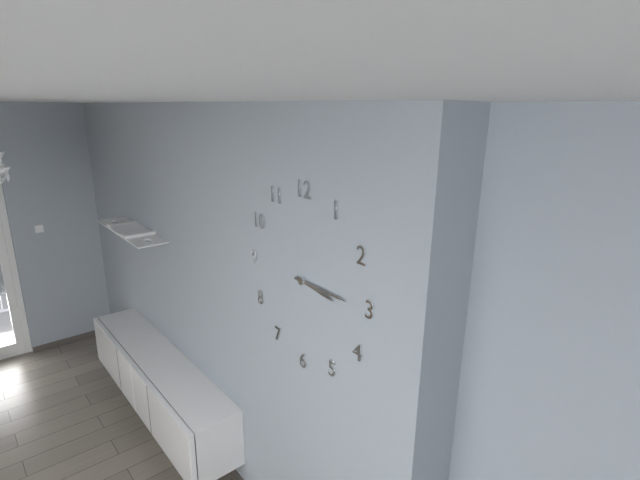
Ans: 3:15
